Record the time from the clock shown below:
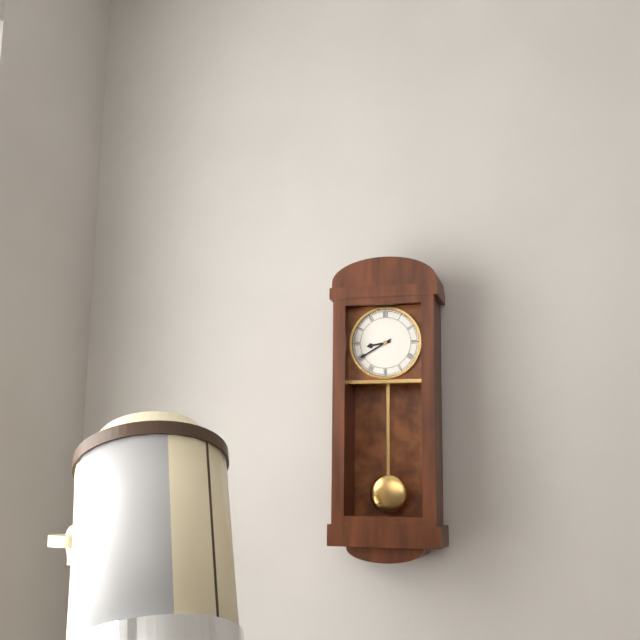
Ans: 8:40
